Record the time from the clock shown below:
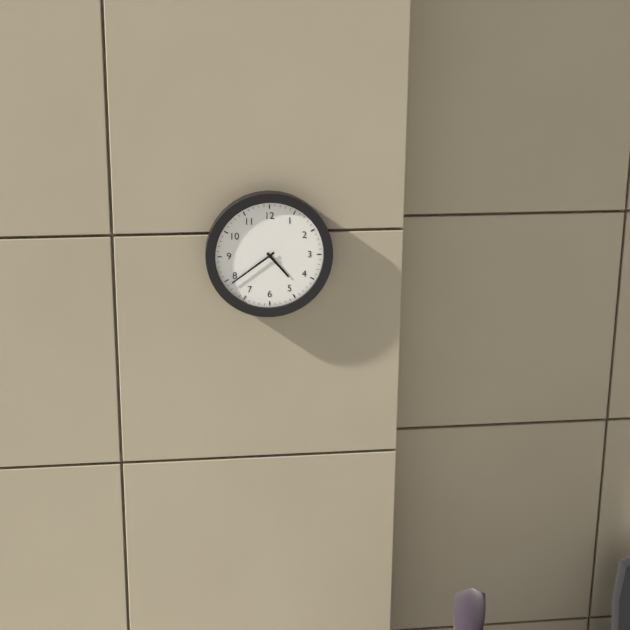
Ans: 4:39
